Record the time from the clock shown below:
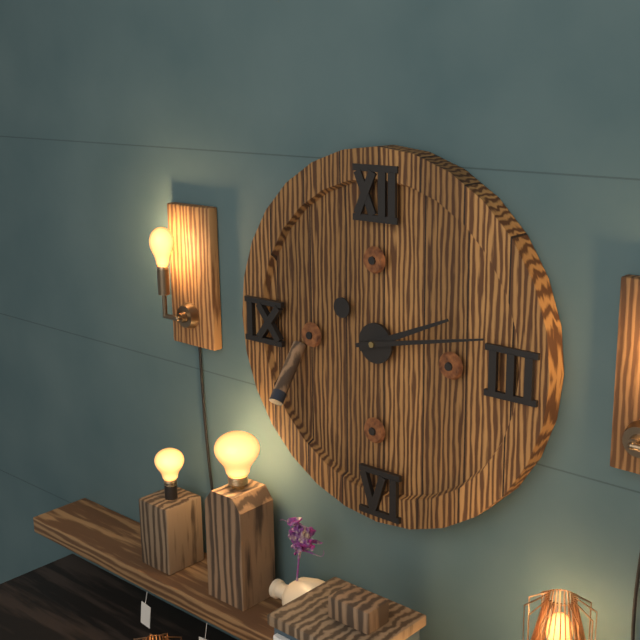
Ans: 2:13
